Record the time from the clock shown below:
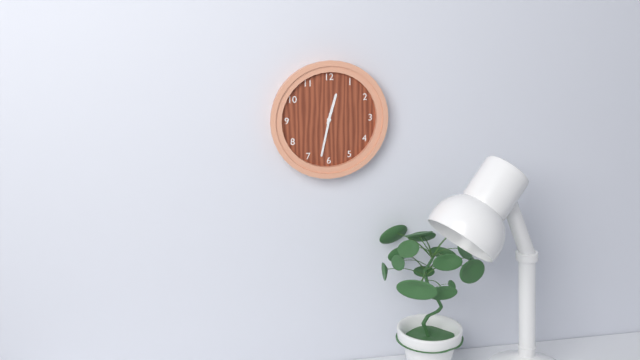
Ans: 12:32
